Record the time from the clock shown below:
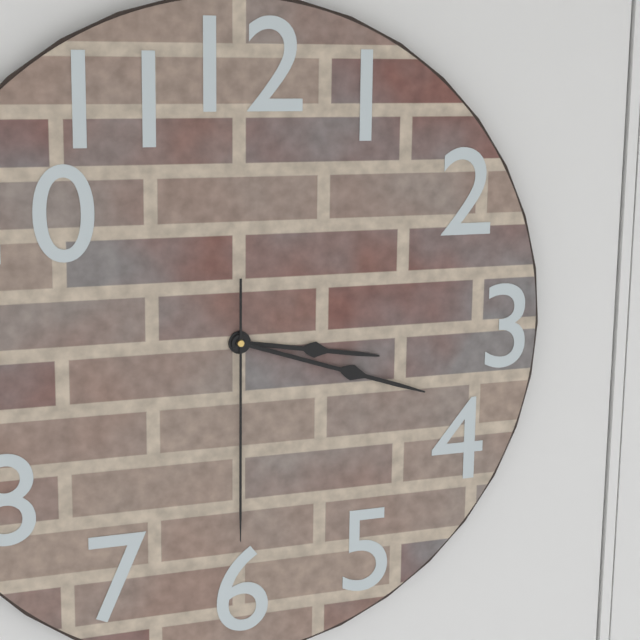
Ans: 3:18:30
